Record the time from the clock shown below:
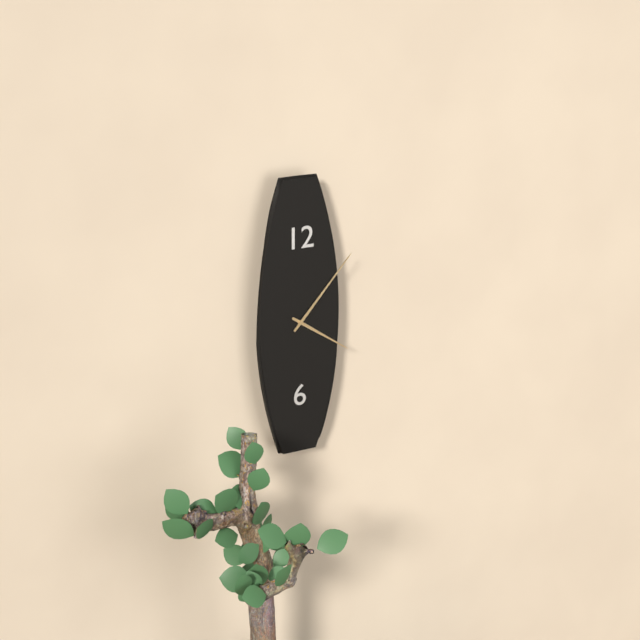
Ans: 4:07
